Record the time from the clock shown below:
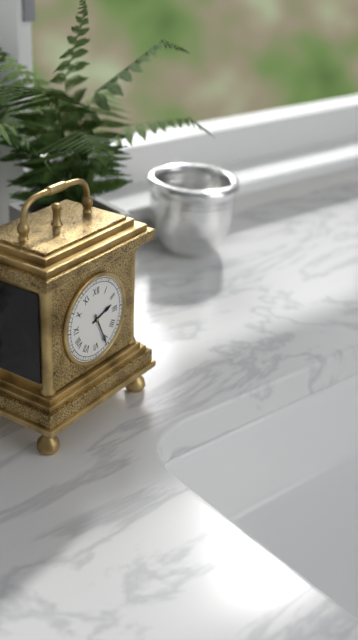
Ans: 2:26
